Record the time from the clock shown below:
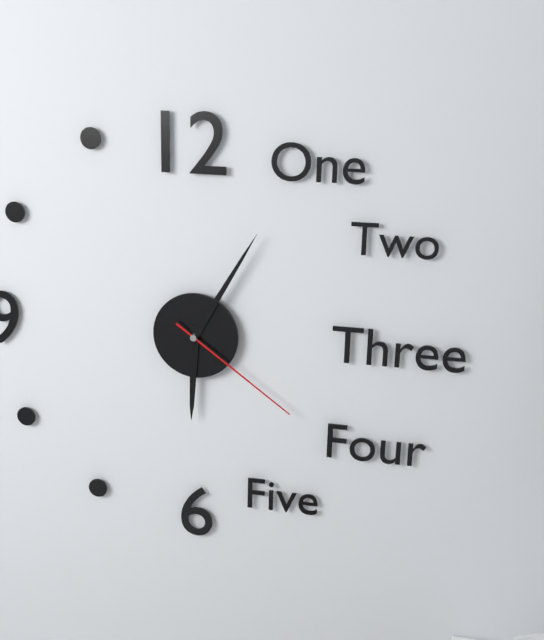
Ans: 6:05:21
